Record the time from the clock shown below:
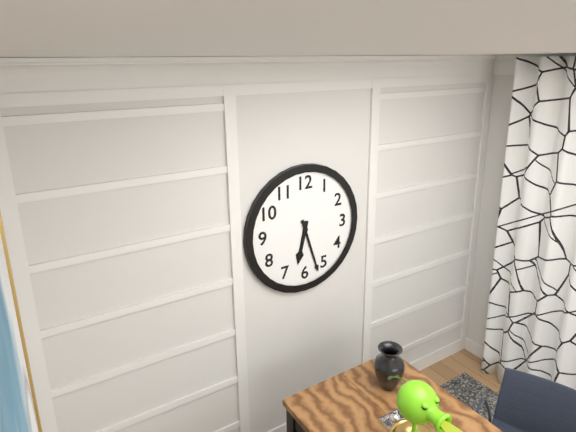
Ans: 6:27
